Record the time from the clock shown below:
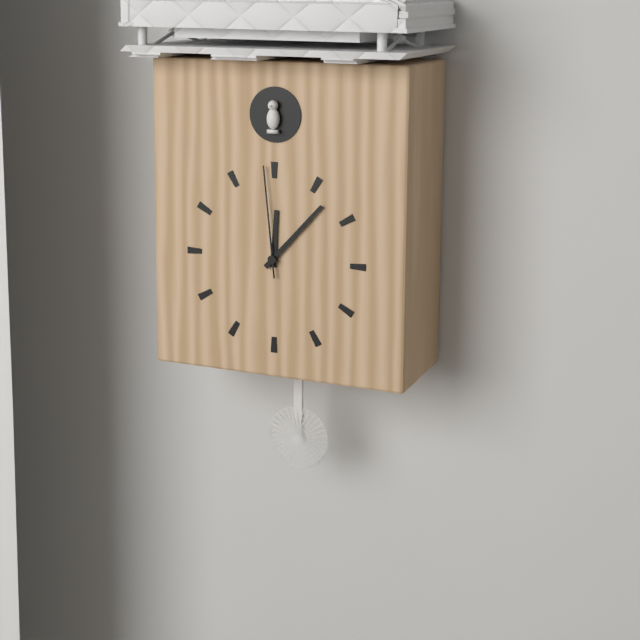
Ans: 12:07:59
